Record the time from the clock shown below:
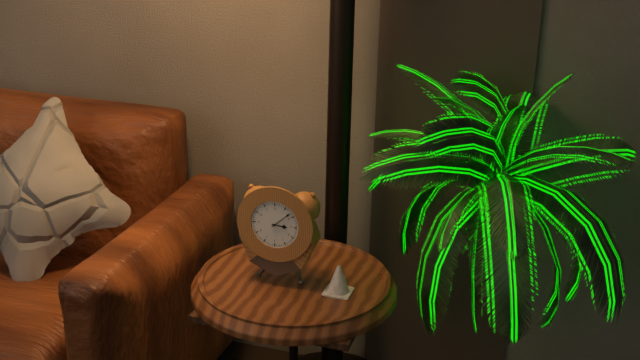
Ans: 3:08
